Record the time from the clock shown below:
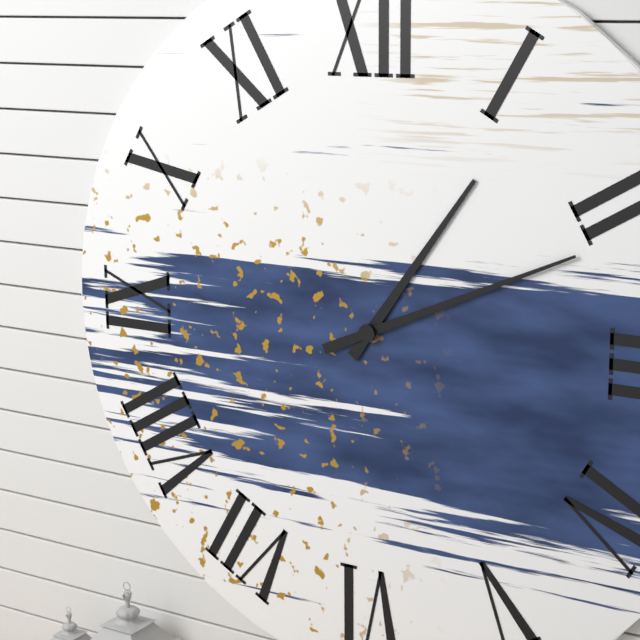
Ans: 1:11
